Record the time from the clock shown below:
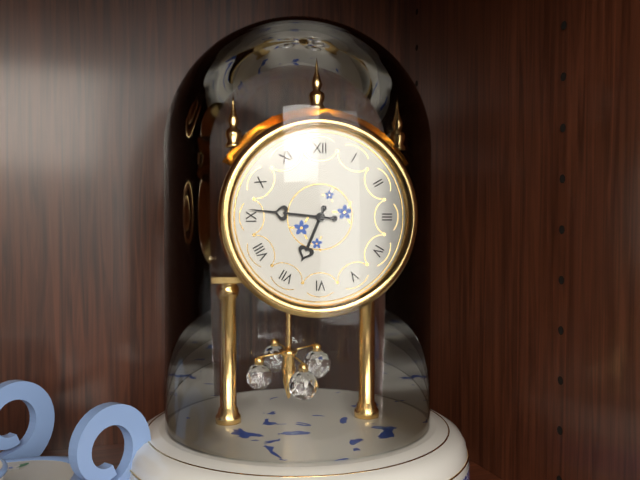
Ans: 6:46
